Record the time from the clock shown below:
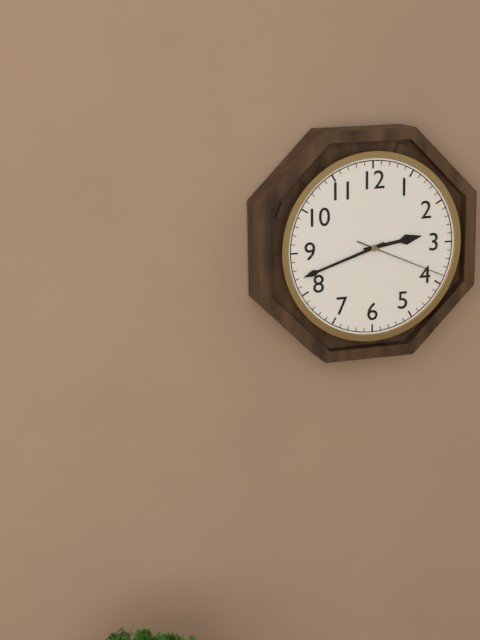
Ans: 2:42:19
